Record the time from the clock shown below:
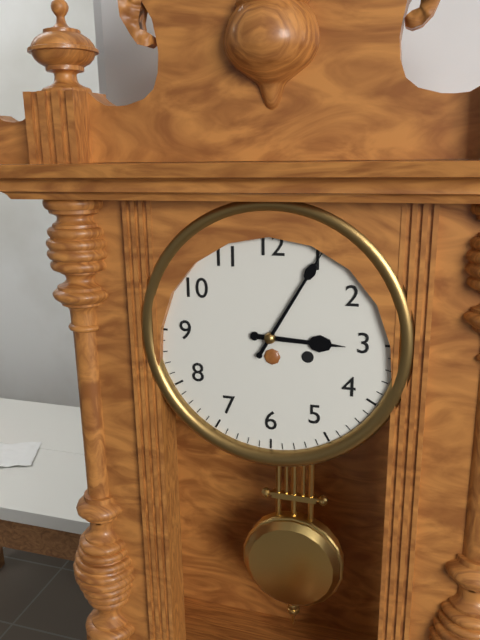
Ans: 3:05
